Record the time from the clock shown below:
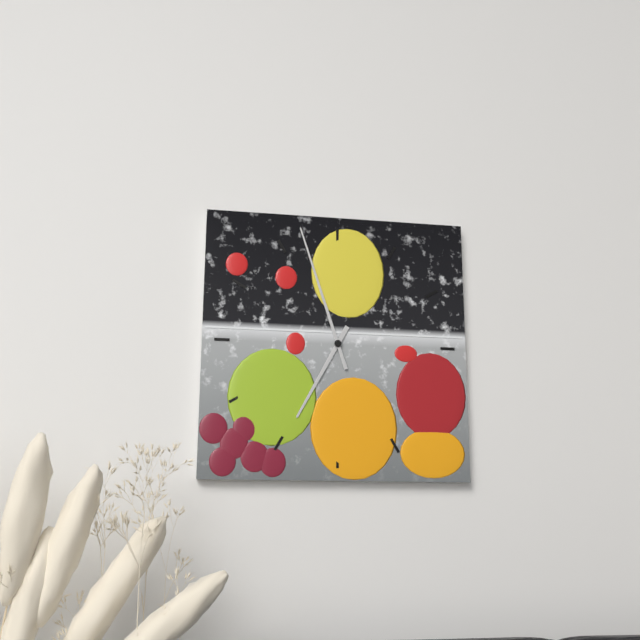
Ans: 6:57
